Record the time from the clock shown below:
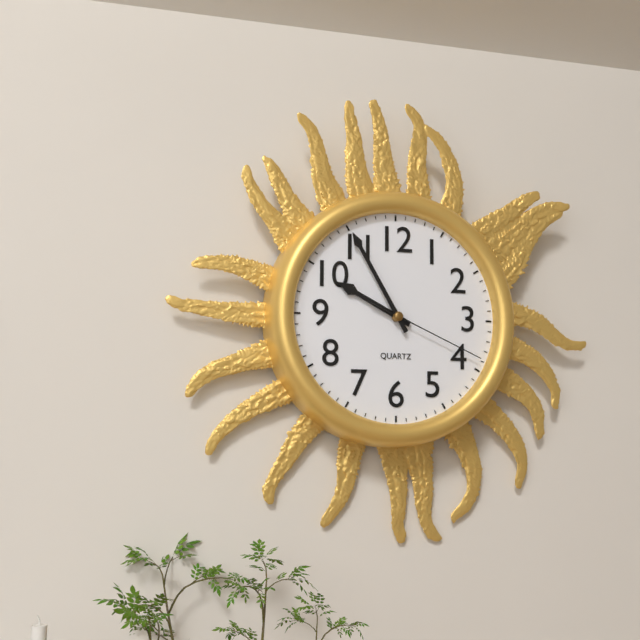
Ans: 9:55:19
